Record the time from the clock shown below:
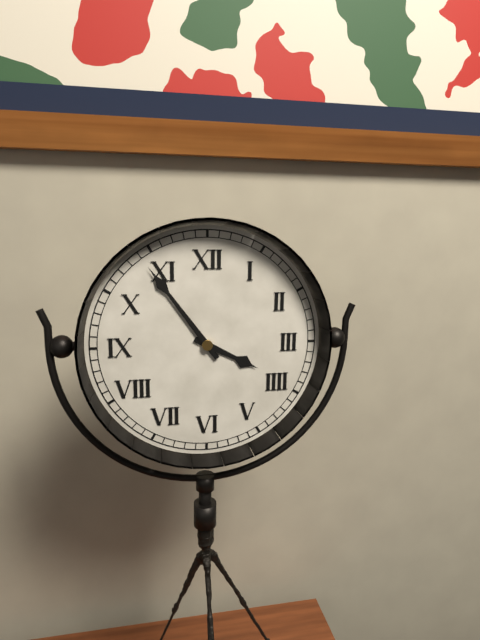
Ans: 3:54
